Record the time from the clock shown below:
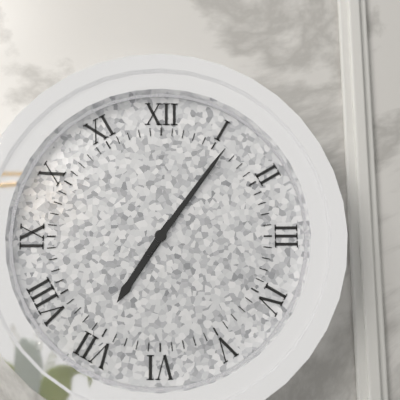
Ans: 7:06
